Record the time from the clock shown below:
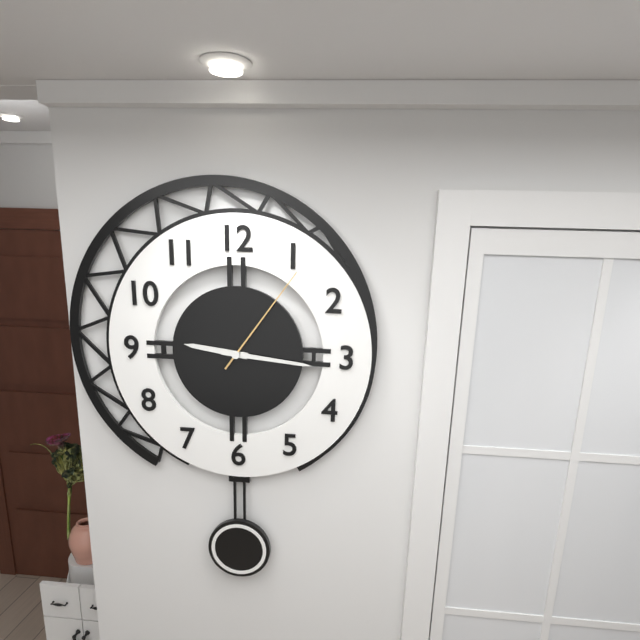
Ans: 9:16:06
